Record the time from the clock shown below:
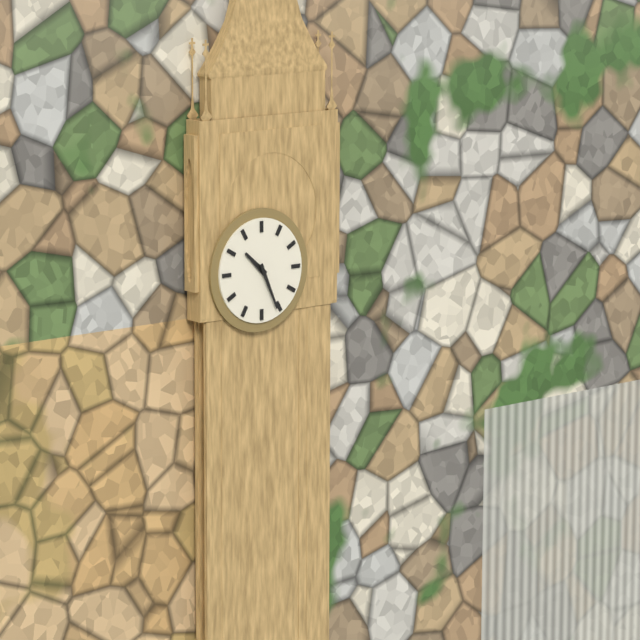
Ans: 10:26
